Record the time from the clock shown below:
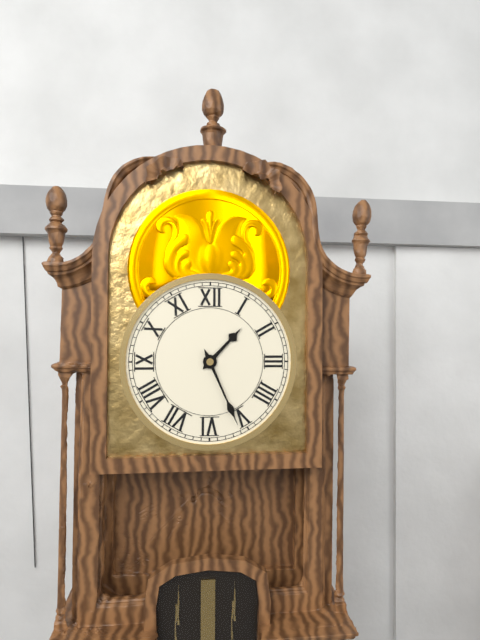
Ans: 1:26
